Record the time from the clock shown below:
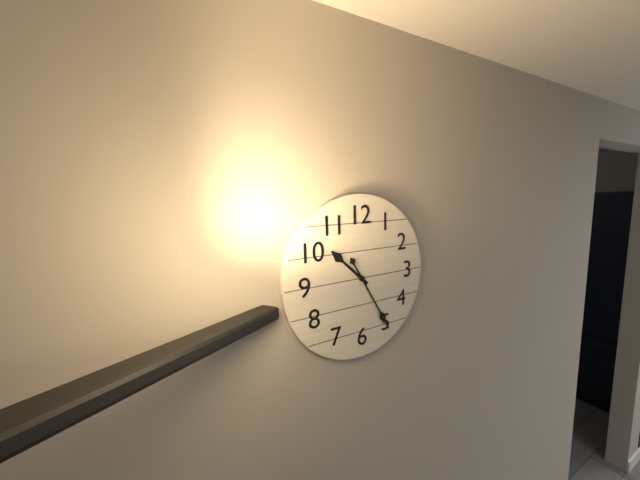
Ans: 10:25
